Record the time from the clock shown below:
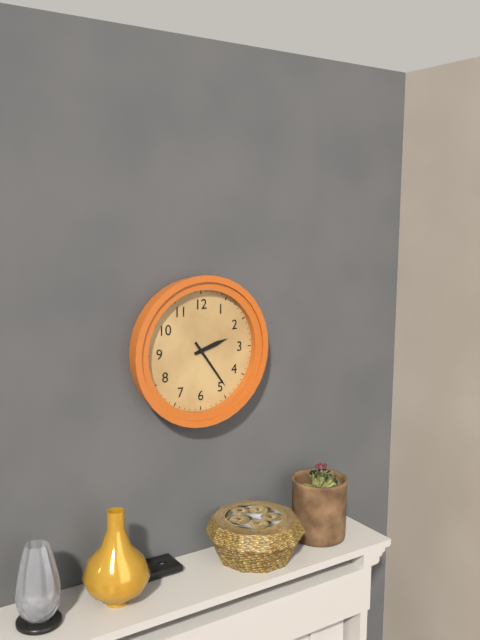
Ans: 2:24
